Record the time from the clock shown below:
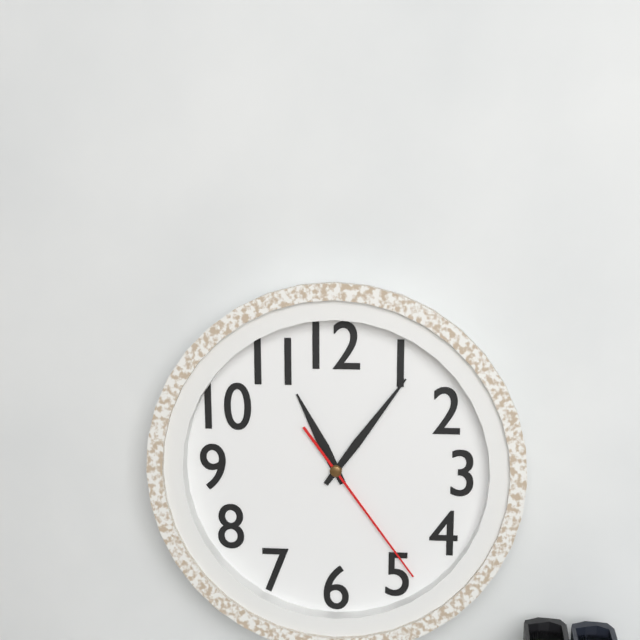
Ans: 11:06:24
